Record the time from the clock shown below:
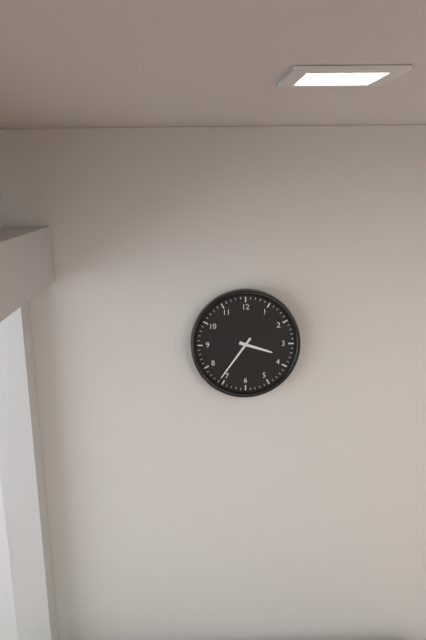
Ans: 3:36
